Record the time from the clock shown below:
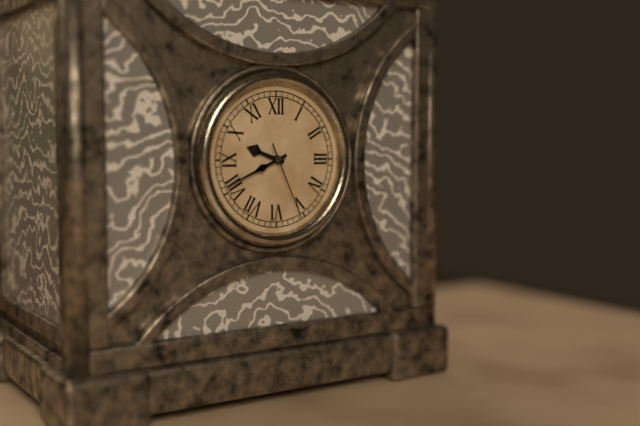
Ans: 9:41:26
